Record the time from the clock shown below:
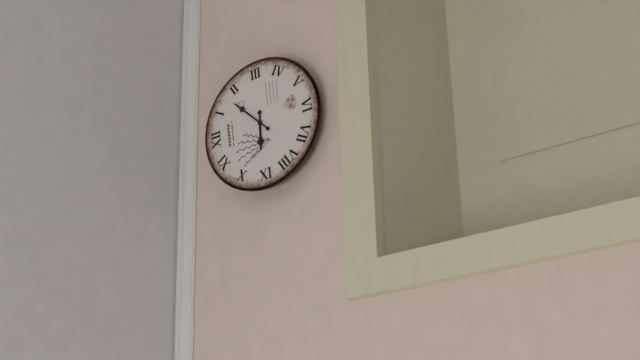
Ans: 9:08
